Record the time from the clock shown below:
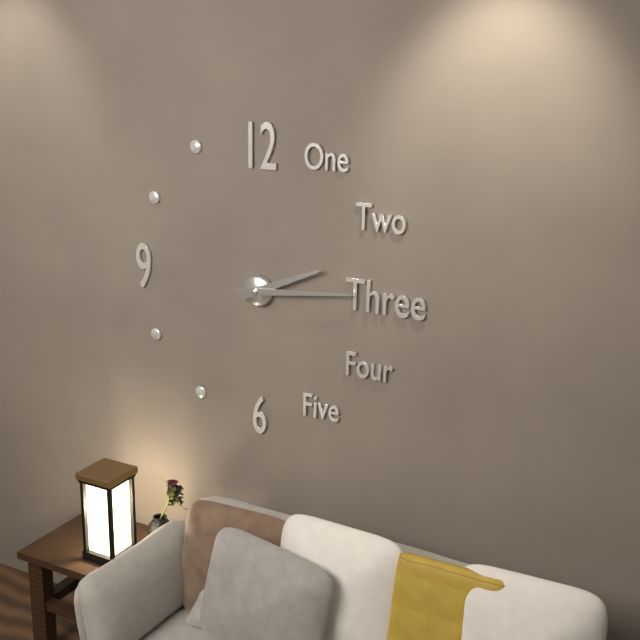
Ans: 2:14
